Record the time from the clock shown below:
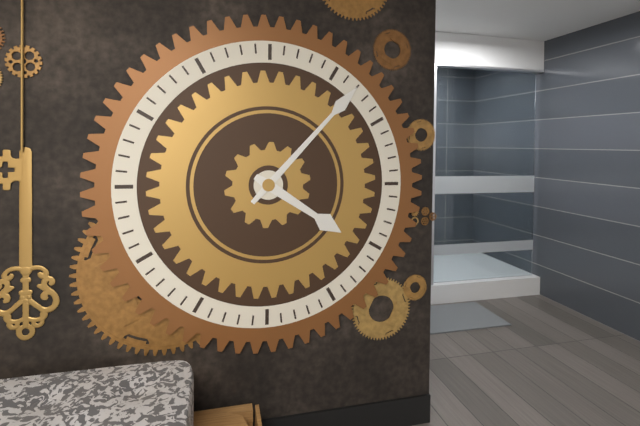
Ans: 4:07
